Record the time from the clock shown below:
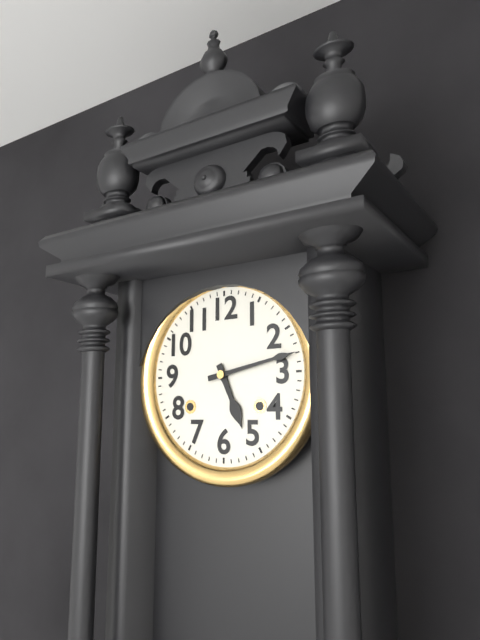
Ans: 5:13
